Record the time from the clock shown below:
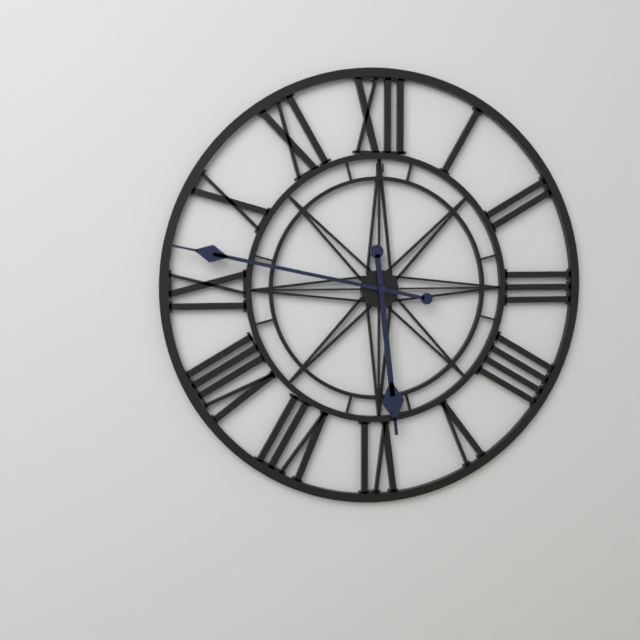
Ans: 5:47
